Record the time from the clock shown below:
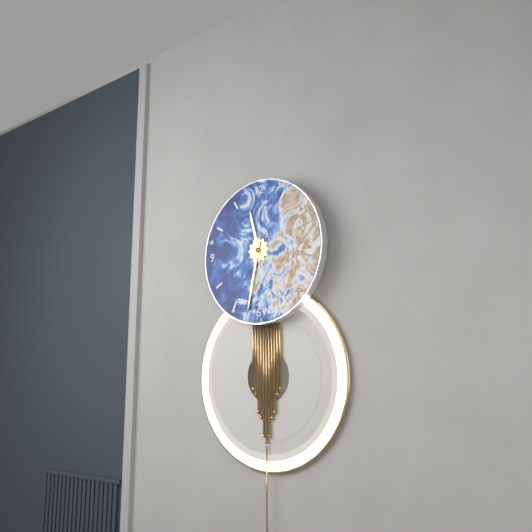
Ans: 11:32
